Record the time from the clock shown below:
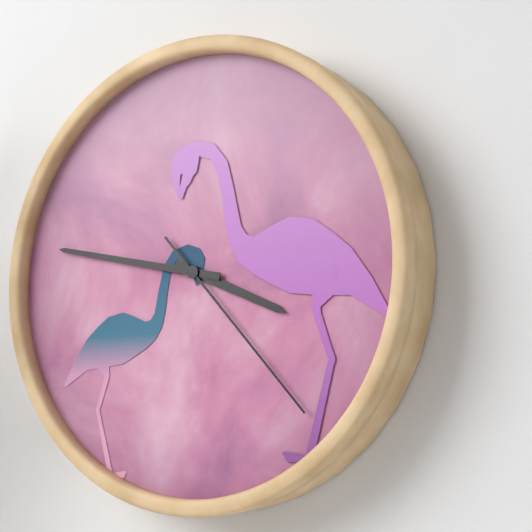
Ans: 3:47:23
